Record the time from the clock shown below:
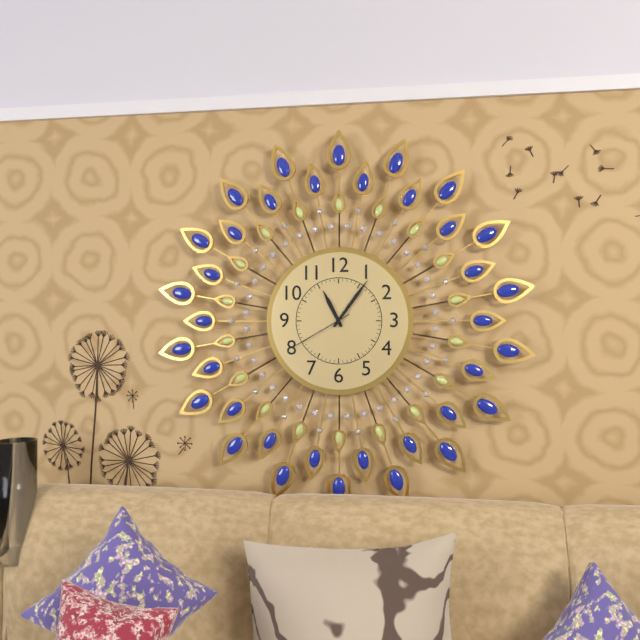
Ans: 11:06:40
